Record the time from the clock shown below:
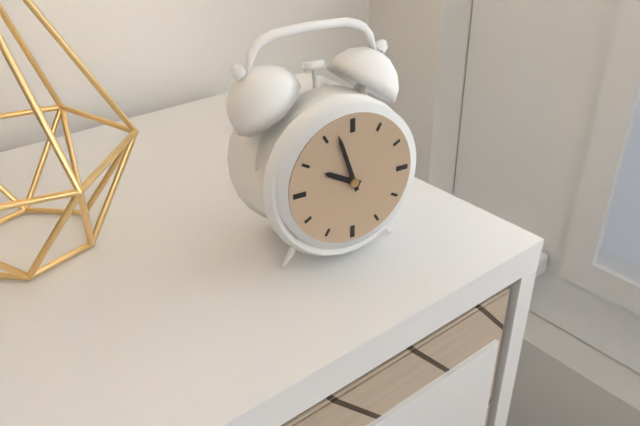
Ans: 9:57
